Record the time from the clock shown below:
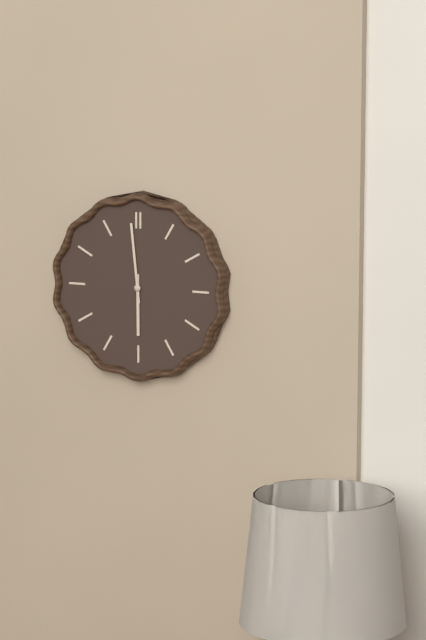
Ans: 5:59
